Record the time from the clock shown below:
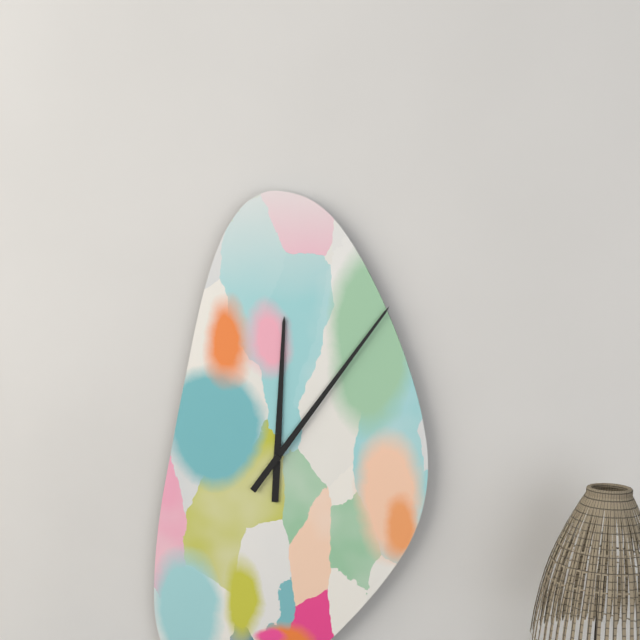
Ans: 12:06
